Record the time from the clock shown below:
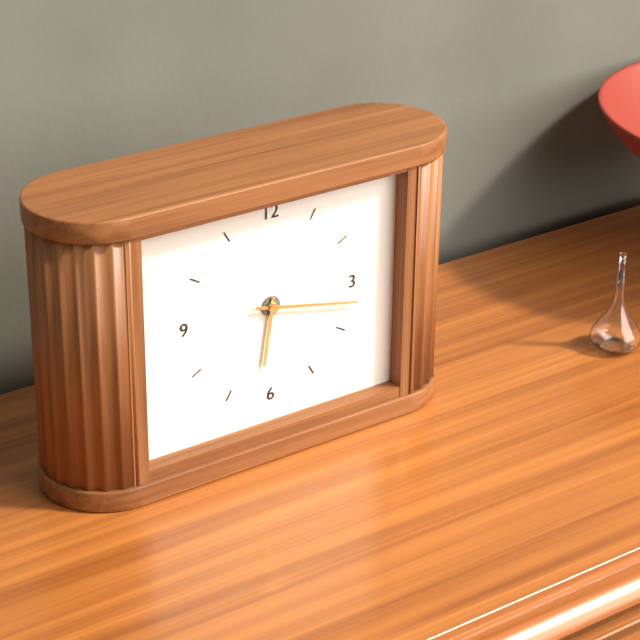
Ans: 6:17
